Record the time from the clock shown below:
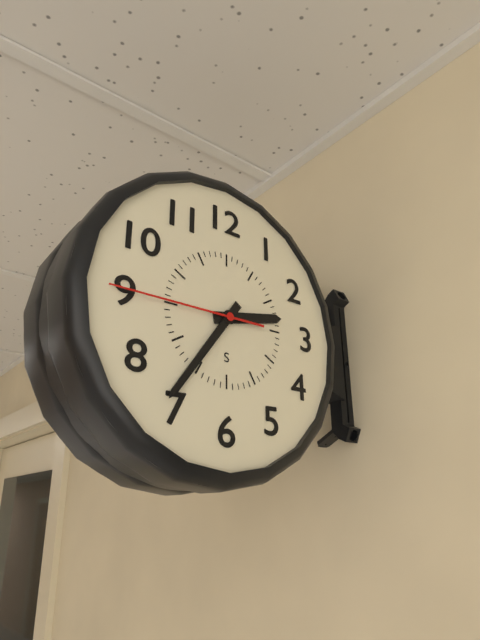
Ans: 2:36:45
